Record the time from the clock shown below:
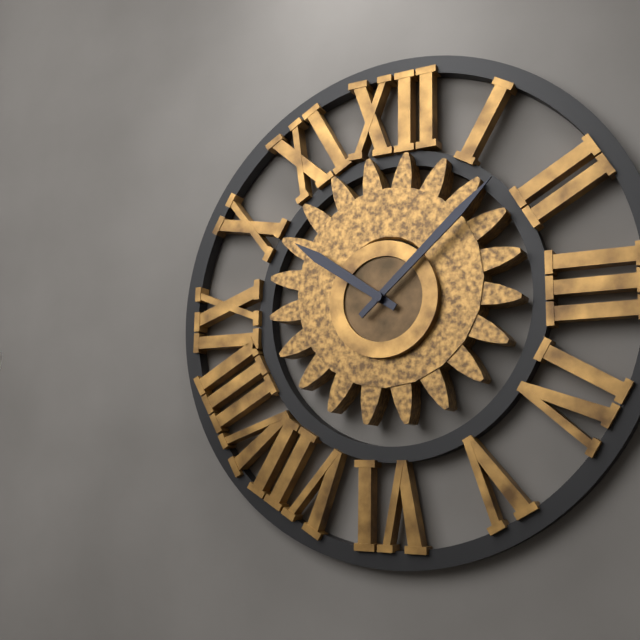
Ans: 10:08
